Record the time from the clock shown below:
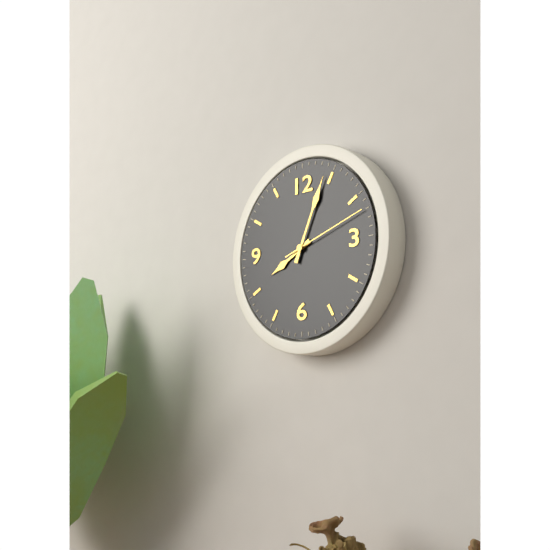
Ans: 8:04:12
